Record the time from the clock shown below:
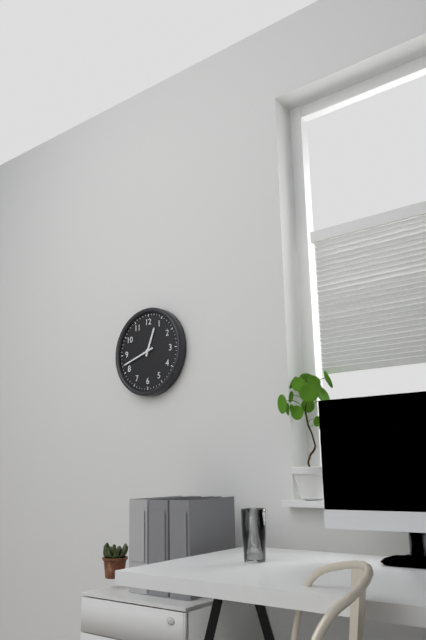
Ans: 12:42
